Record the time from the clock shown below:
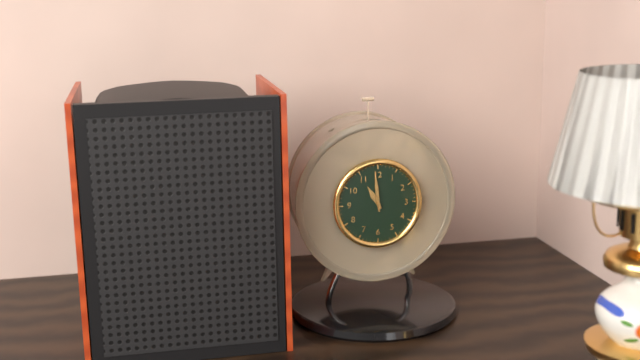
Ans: 10:59
